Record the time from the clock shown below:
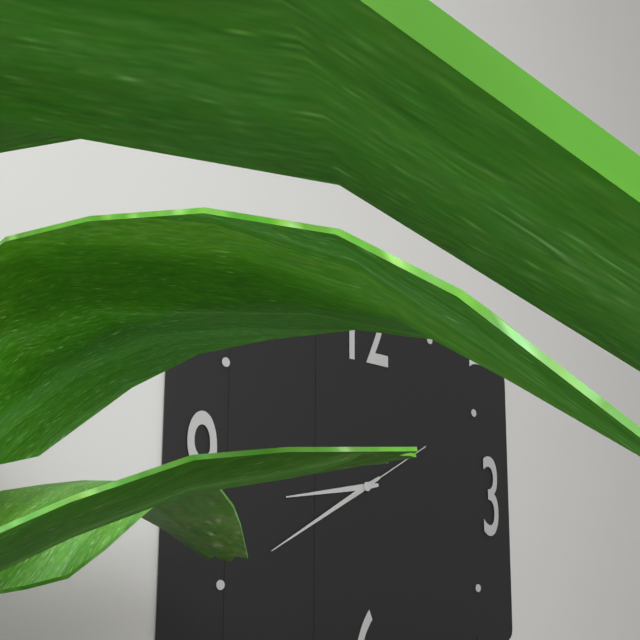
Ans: 8:40:10
